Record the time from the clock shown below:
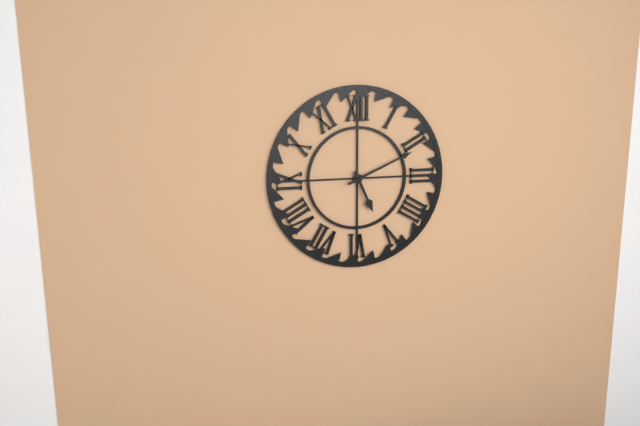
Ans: 5:11
